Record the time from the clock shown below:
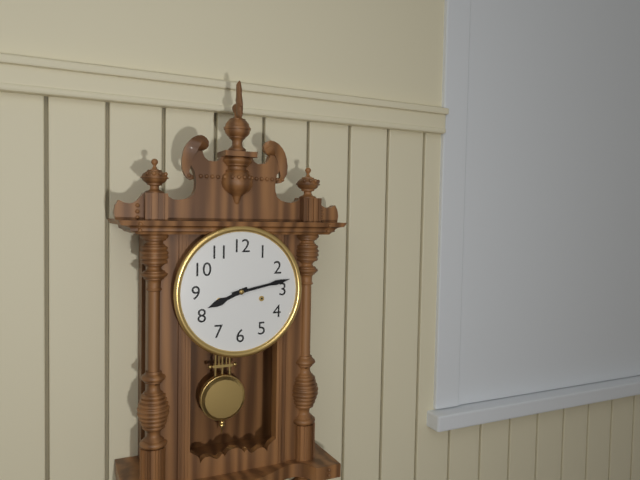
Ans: 8:13
